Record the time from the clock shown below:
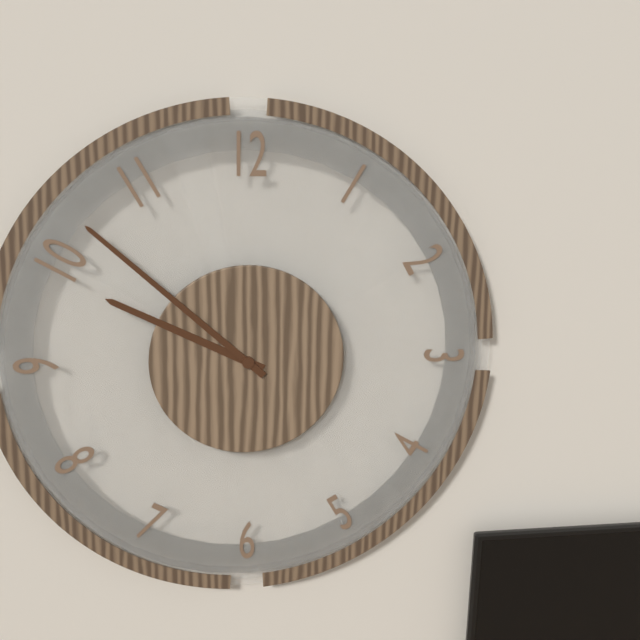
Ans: 9:52
